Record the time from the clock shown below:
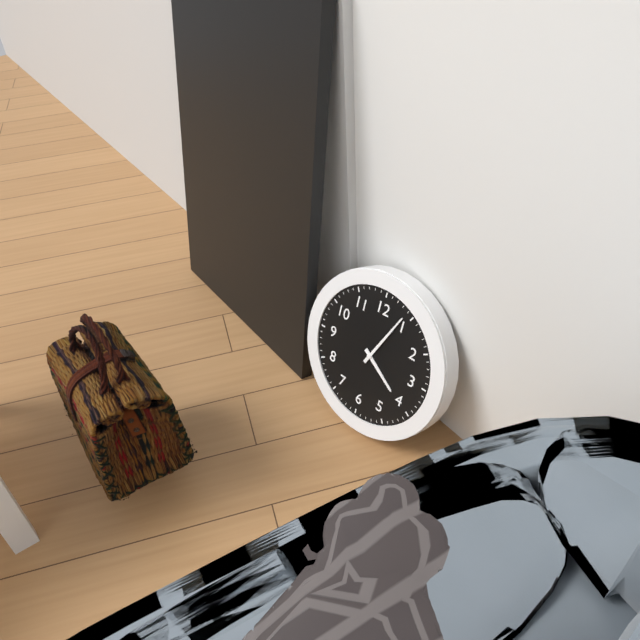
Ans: 4:04
